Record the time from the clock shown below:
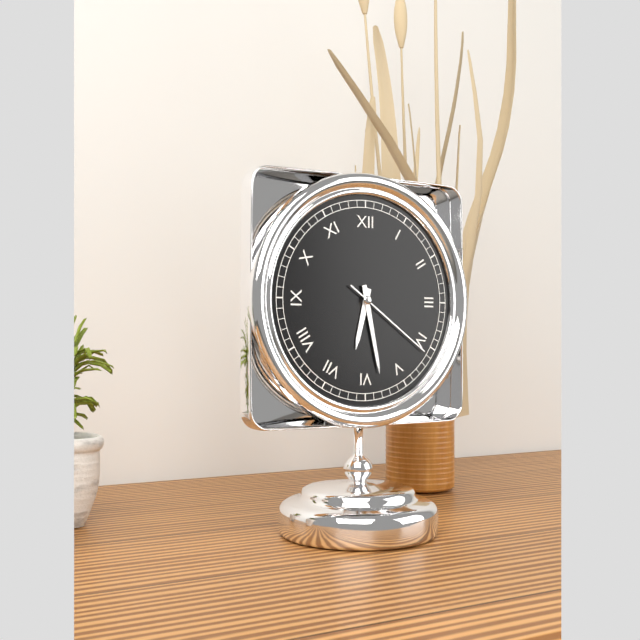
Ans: 6:28:21
